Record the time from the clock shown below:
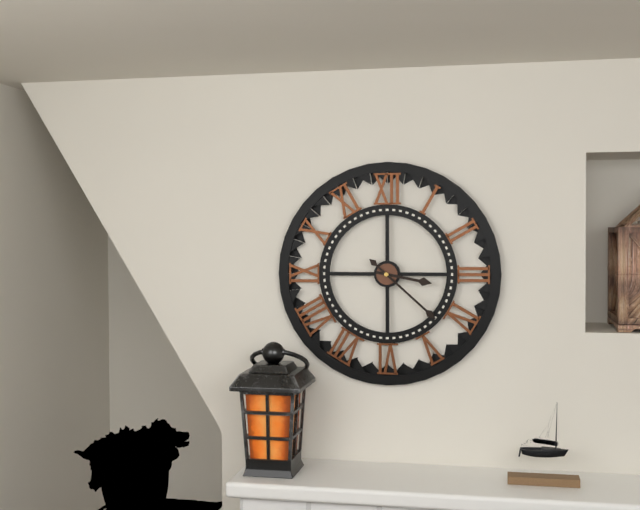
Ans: 3:22
